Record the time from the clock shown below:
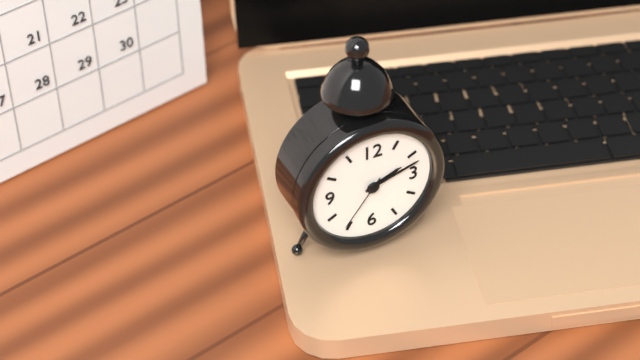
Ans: 2:12:36
